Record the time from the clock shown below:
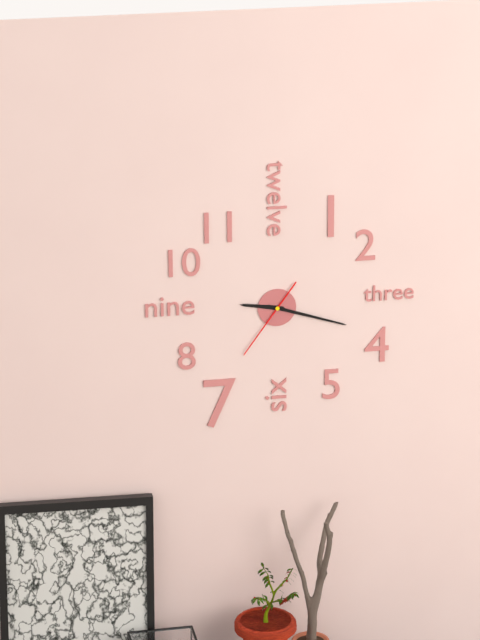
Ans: 9:18:36
